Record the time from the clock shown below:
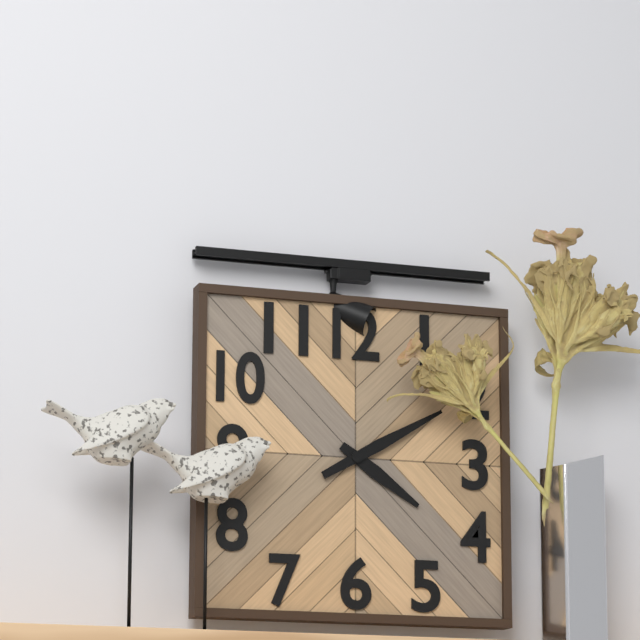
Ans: 4:10
